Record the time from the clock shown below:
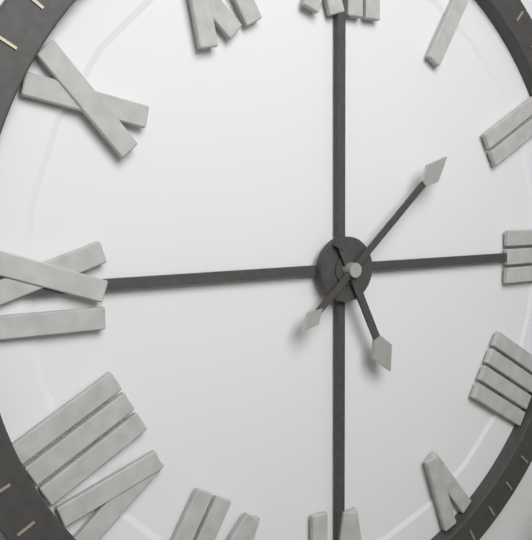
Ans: 5:08
